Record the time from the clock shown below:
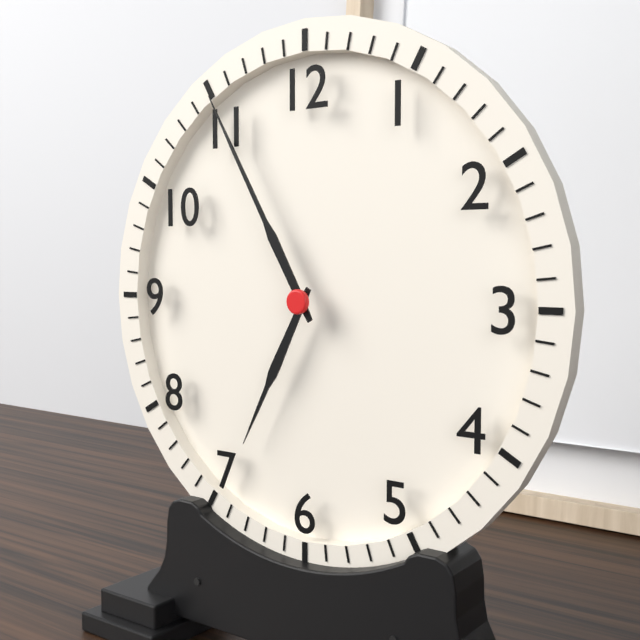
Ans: 6:55
